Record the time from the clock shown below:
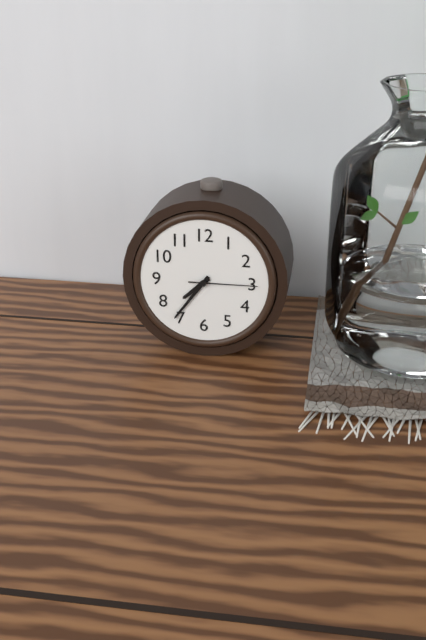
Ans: 7:36:15
